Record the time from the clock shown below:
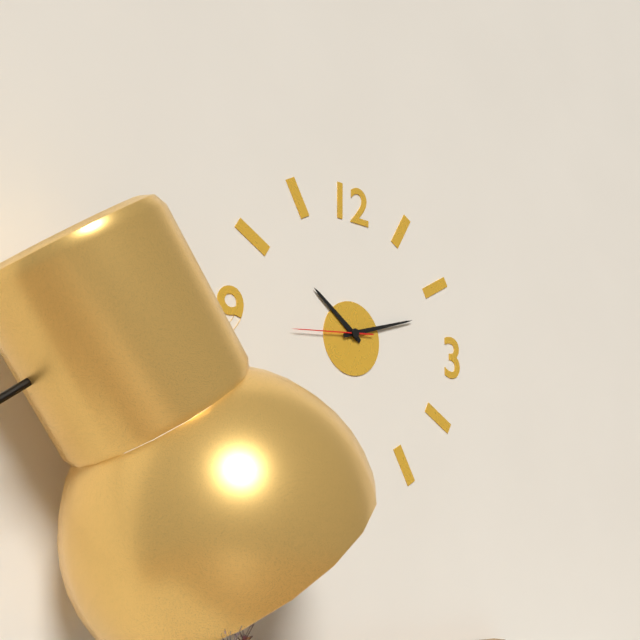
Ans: 10:12:44
